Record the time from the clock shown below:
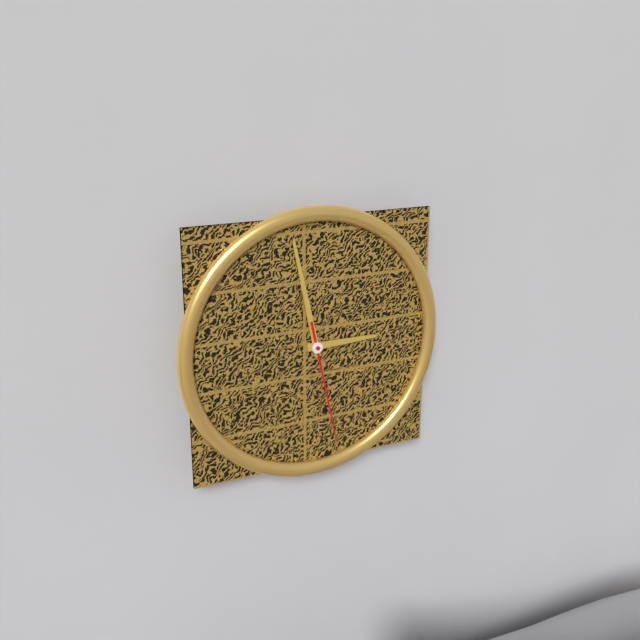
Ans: 2:58:28
